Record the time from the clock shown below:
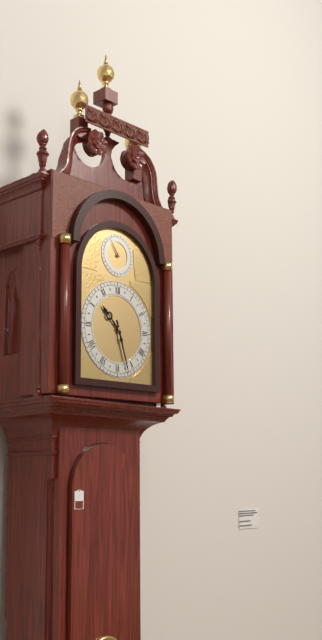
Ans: 10:27
